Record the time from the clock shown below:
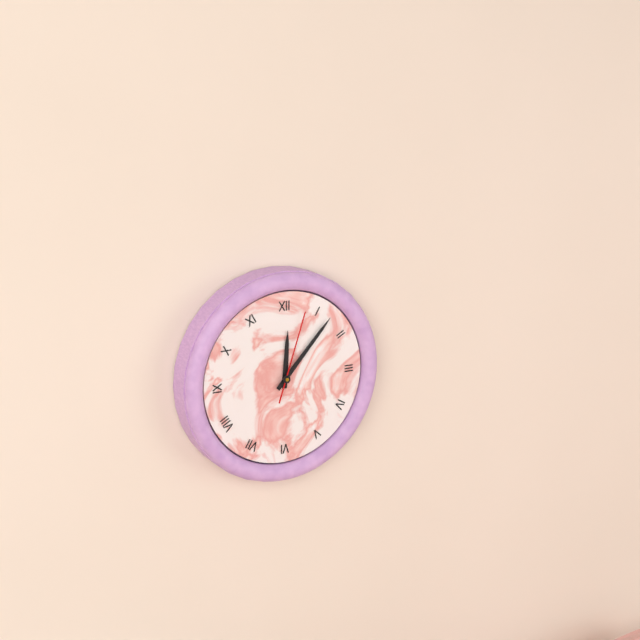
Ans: 12:07:03
